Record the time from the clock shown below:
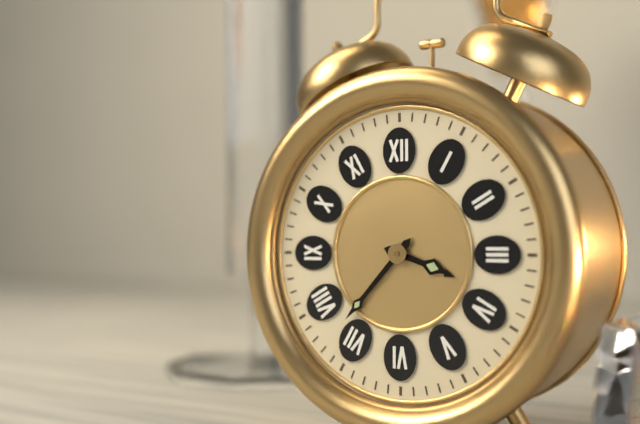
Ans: 3:37
